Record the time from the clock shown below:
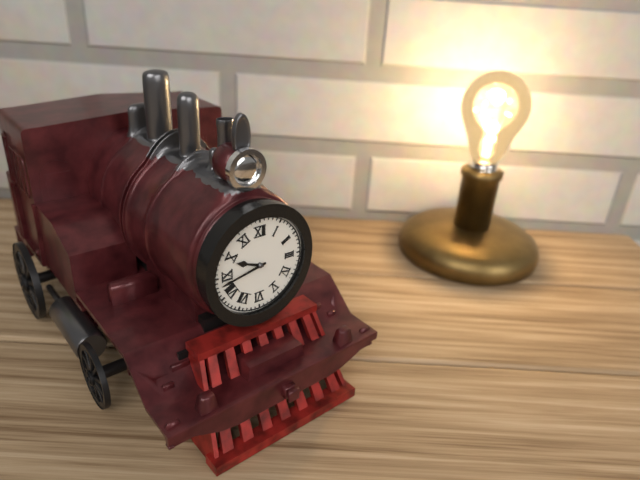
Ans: 9:43
